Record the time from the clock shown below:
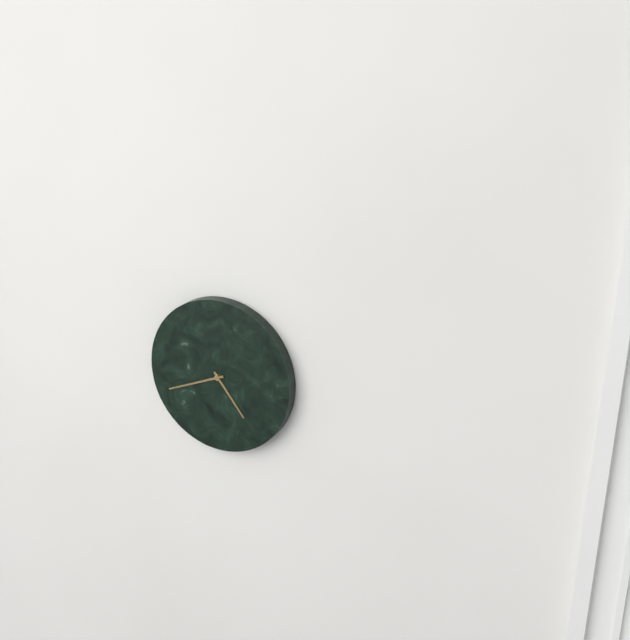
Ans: 4:41
